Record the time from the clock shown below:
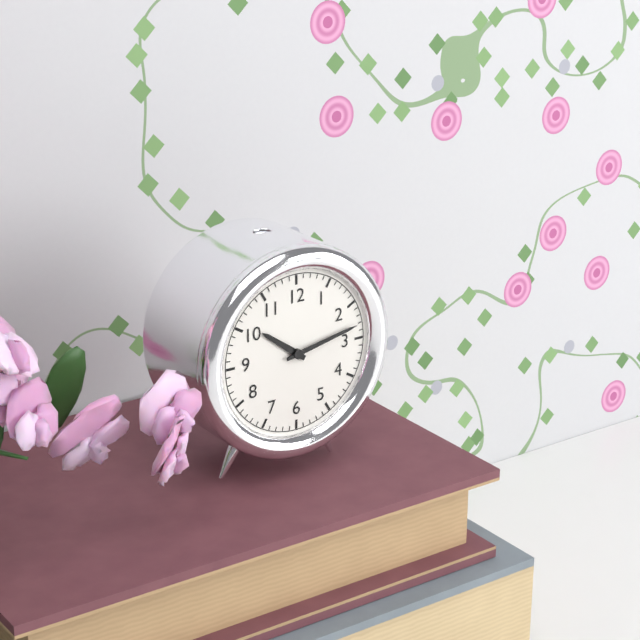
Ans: 10:13
